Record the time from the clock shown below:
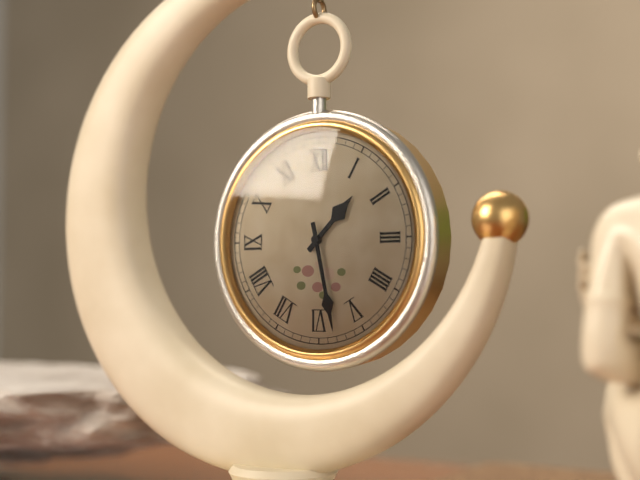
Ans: 1:28
